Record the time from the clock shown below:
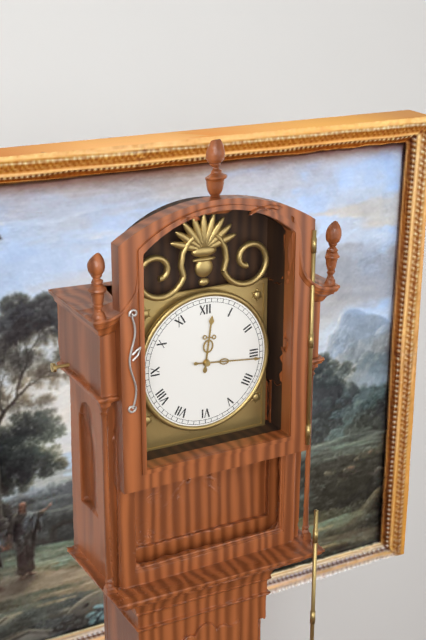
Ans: 12:16
